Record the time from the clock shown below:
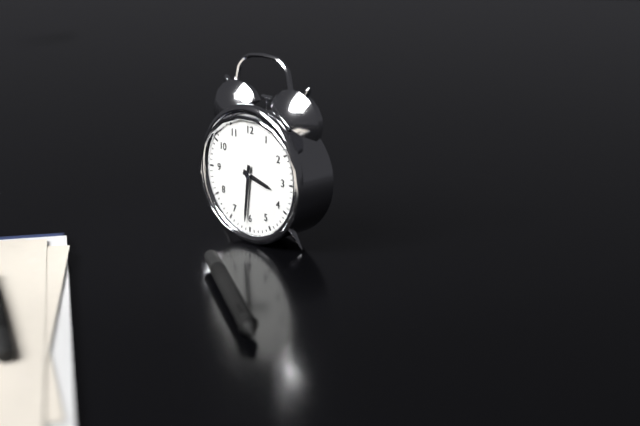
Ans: 3:31
